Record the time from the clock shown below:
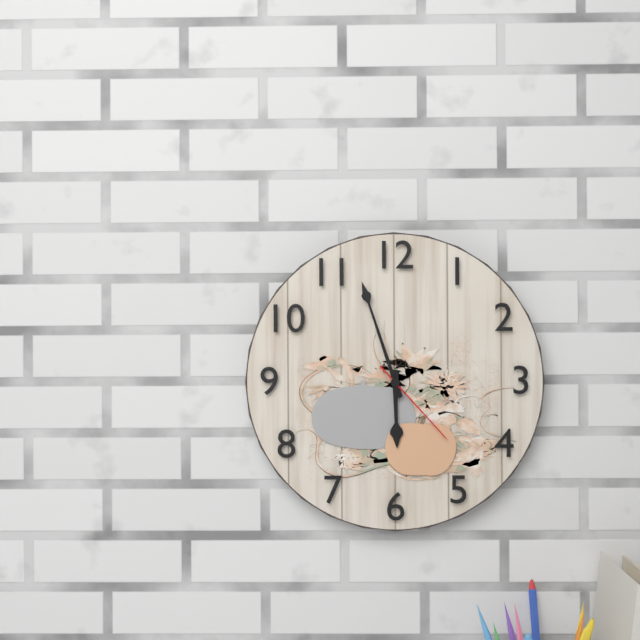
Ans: 5:57:23
